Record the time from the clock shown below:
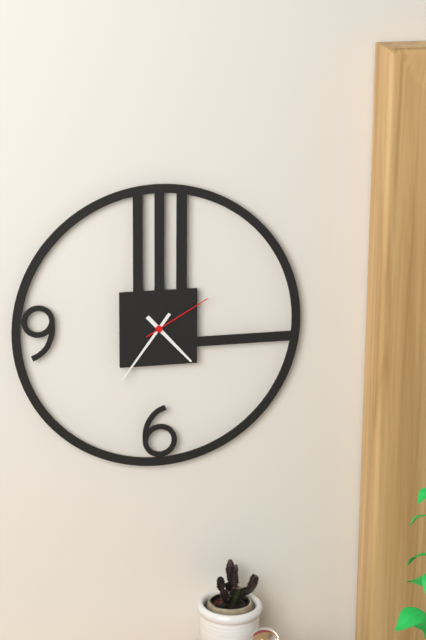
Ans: 4:36:10
